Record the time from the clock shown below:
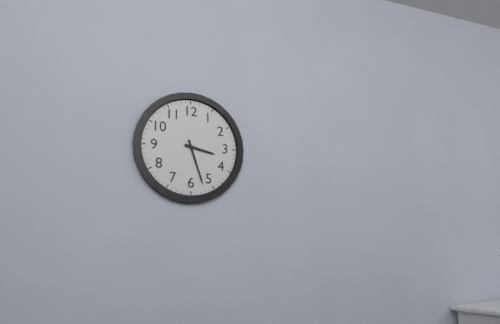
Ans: 3:27
